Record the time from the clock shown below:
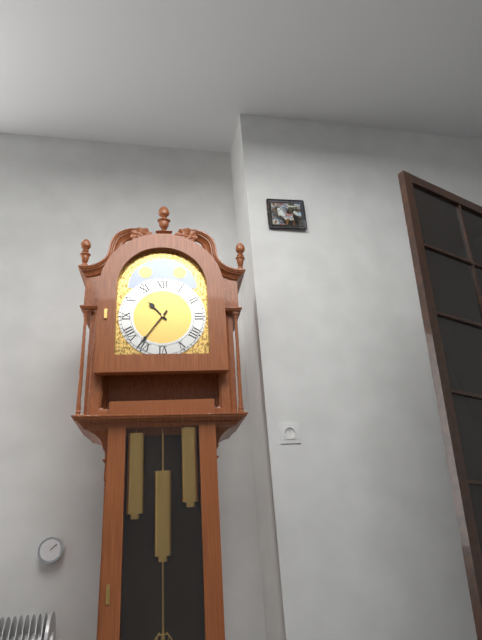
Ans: 10:36
